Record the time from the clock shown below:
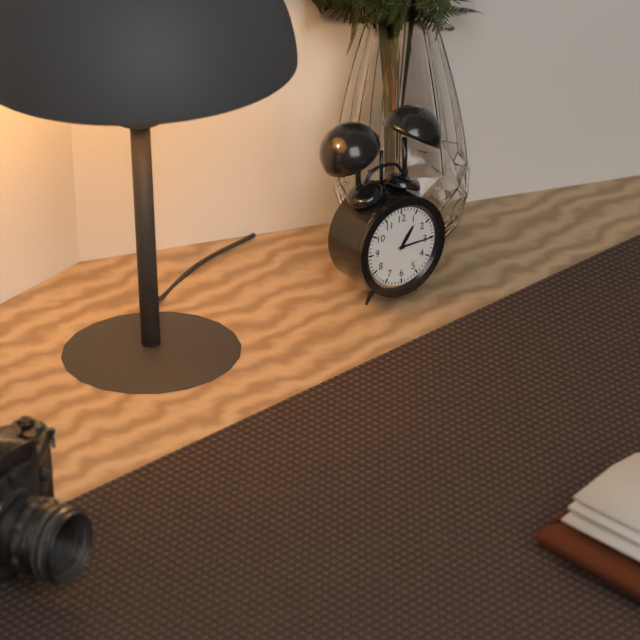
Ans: 1:15
